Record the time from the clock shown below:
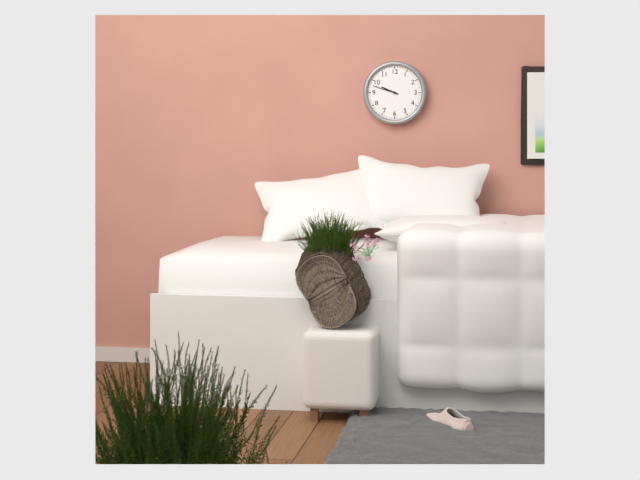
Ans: 9:48
